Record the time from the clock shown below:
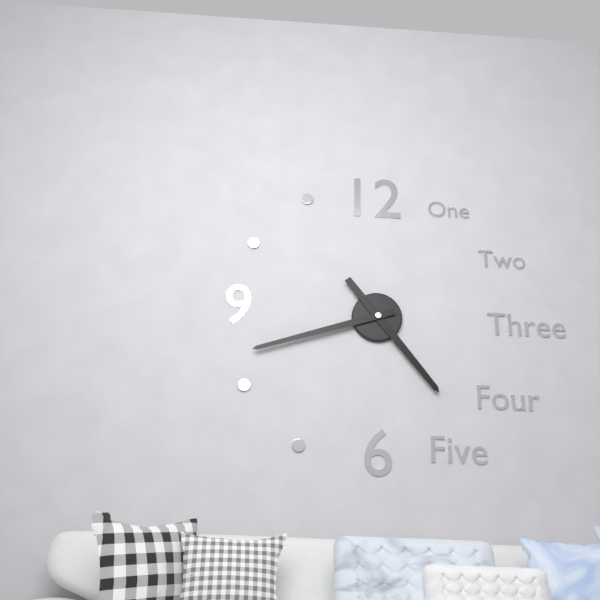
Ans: 4:42
